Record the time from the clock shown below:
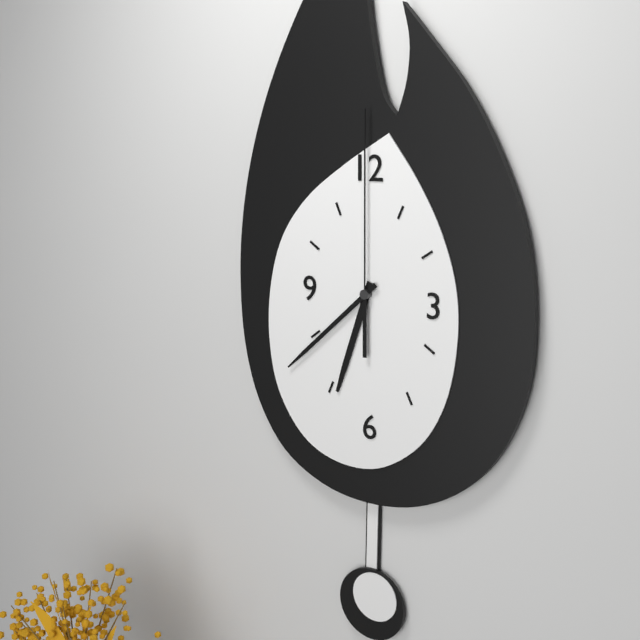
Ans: 6:38:00
